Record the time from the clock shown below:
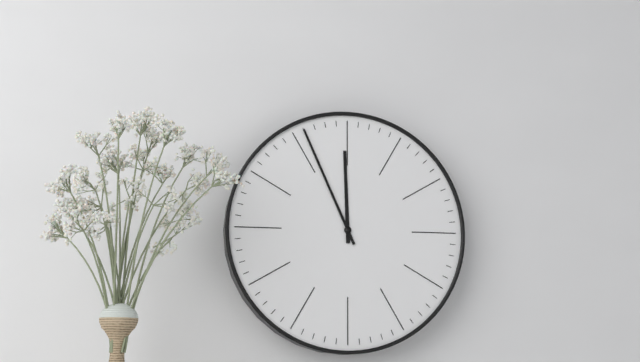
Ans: 11:56
